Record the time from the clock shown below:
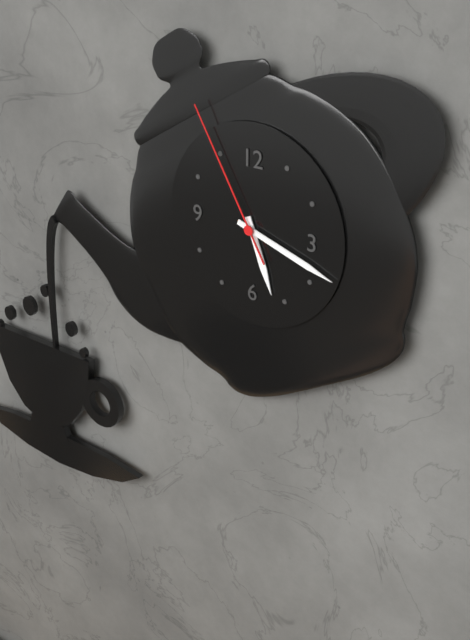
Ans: 5:18:55
